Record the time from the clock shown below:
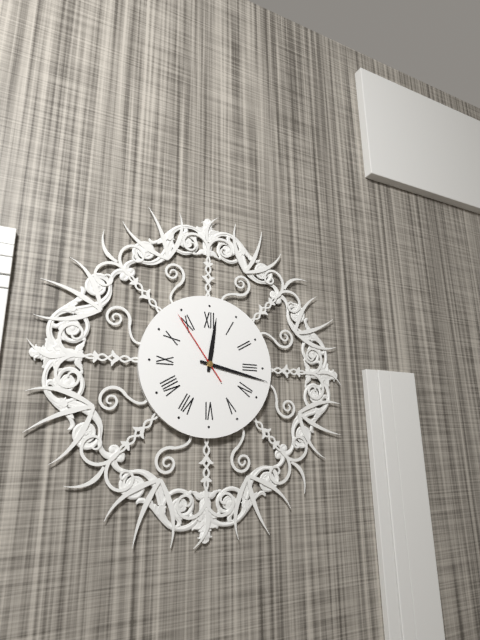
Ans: 12:17:54
